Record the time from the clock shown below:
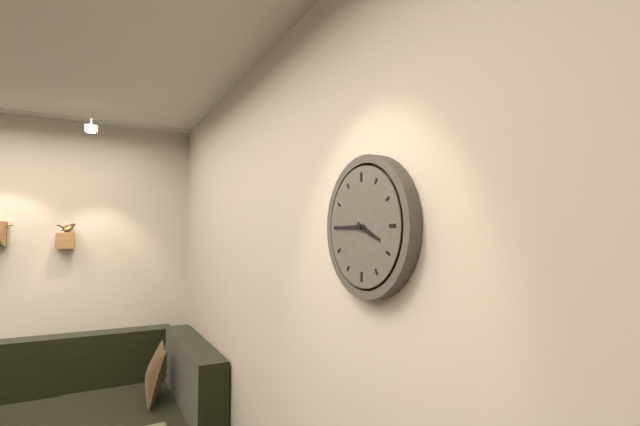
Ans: 3:45
